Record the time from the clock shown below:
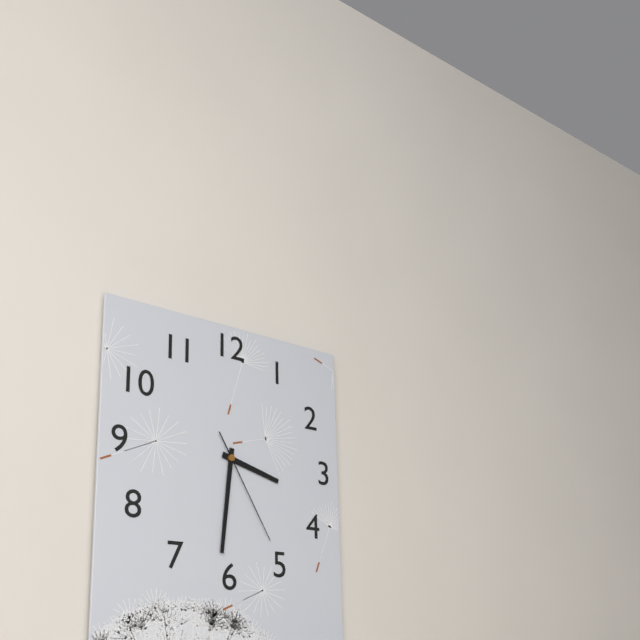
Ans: 3:31:25
